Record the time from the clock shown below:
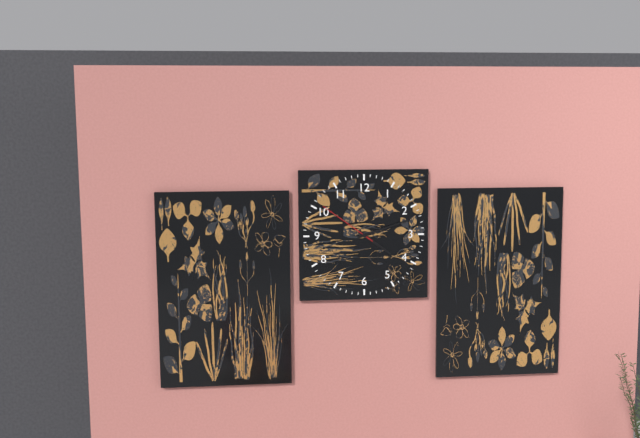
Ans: 4:12:51
